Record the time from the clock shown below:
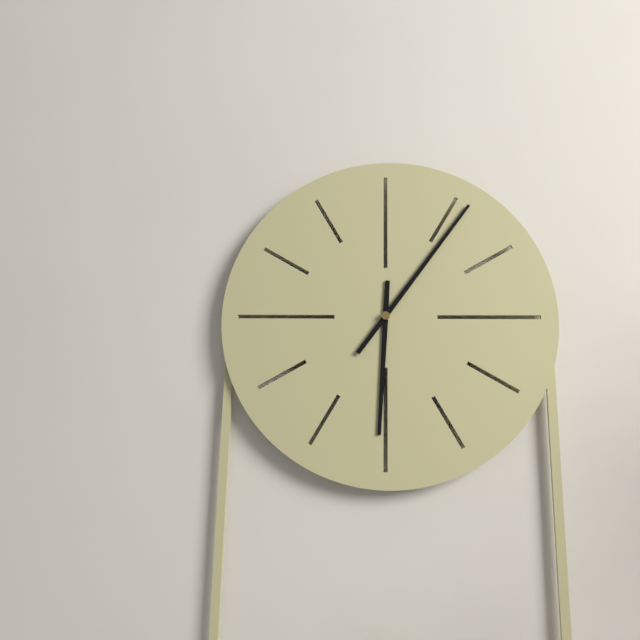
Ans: 6:06
